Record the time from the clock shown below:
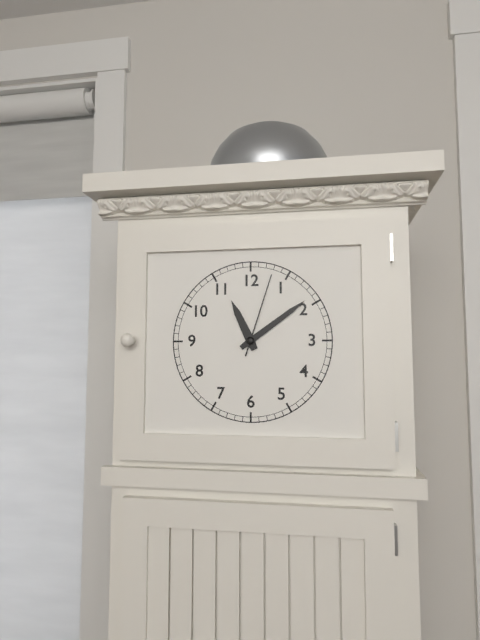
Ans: 11:09:03
